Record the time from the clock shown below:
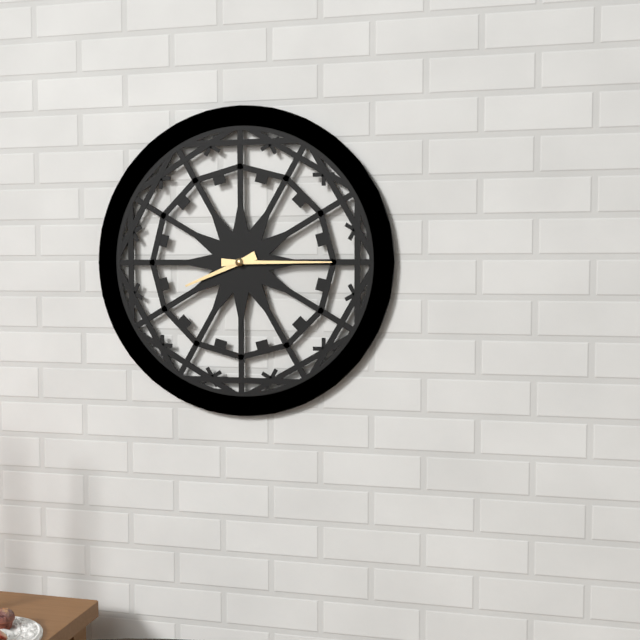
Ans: 8:15
